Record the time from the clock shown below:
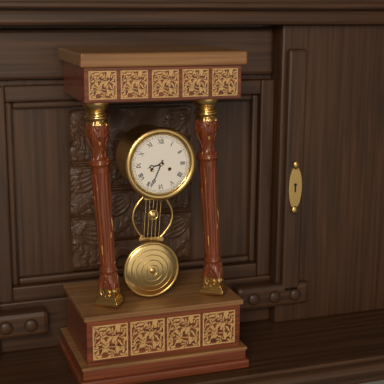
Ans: 8:34
